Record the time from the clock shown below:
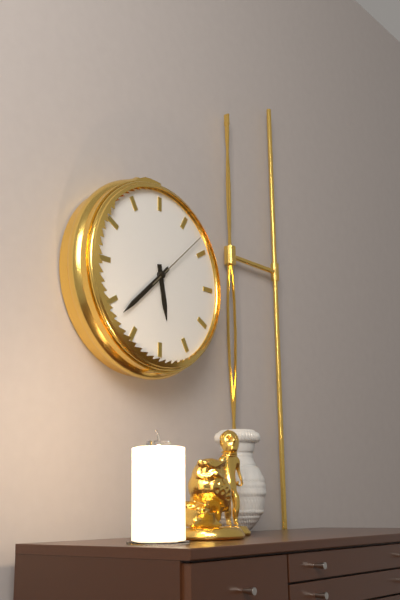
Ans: 5:38:08
